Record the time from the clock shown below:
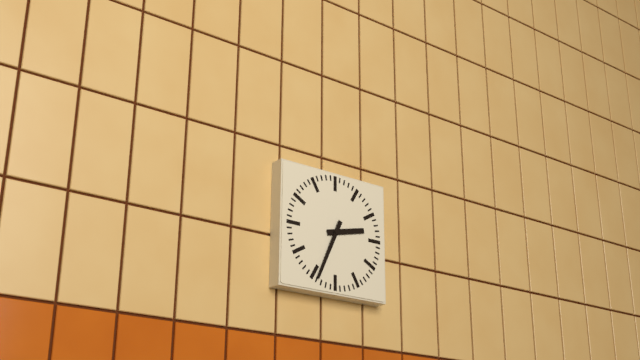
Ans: 2:34
